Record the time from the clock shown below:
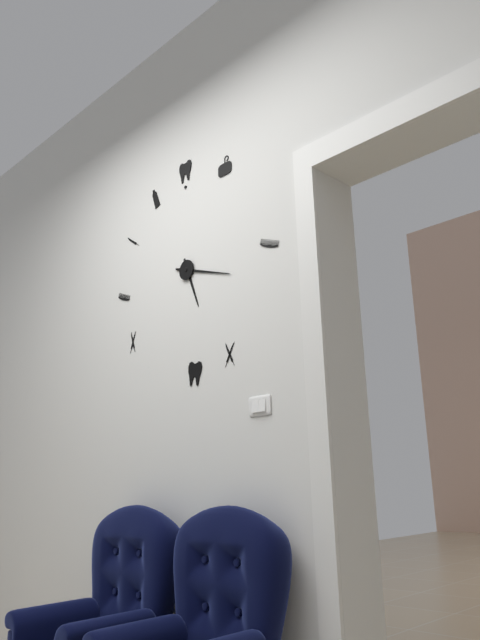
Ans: 5:18
